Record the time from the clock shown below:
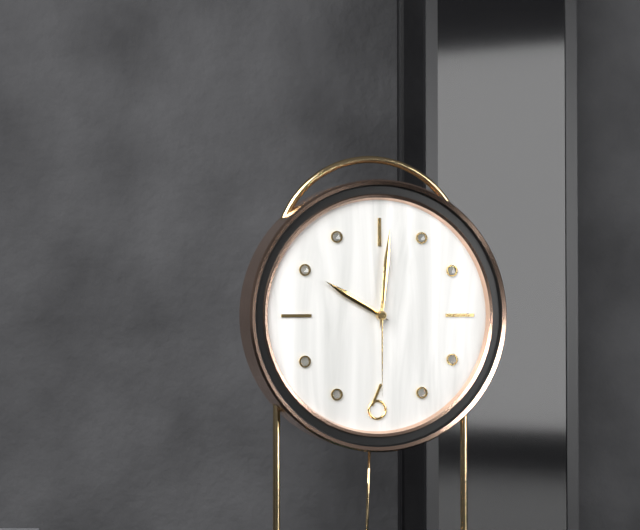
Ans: 10:01:30
